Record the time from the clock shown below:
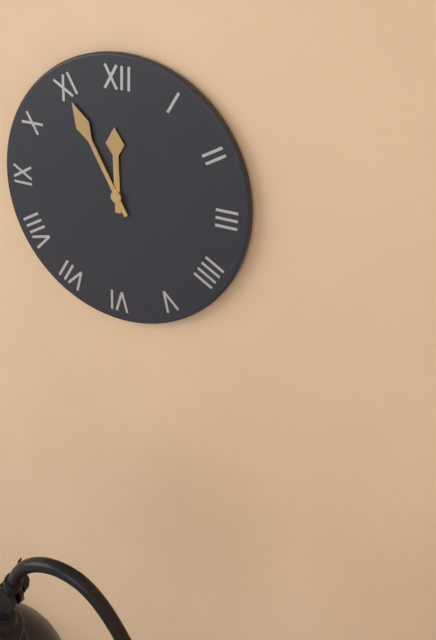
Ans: 11:55
